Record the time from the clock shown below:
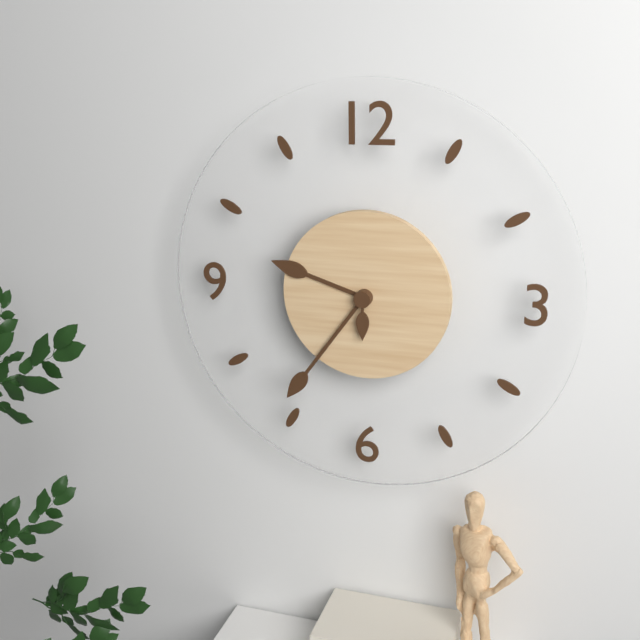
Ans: 9:36:30
